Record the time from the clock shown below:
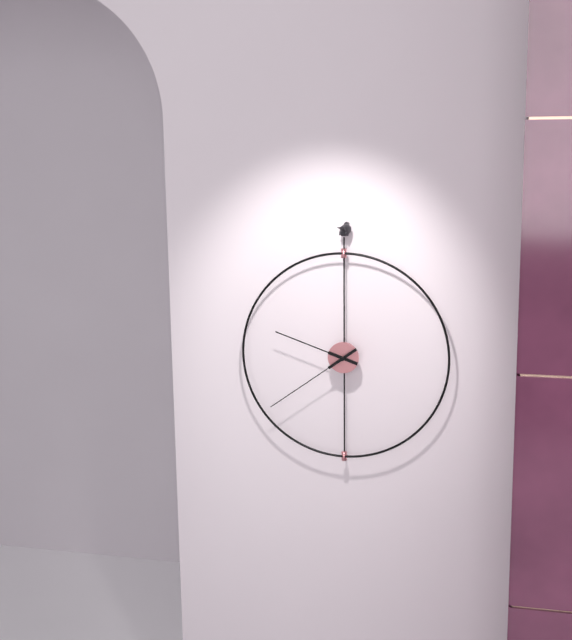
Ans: 9:39
